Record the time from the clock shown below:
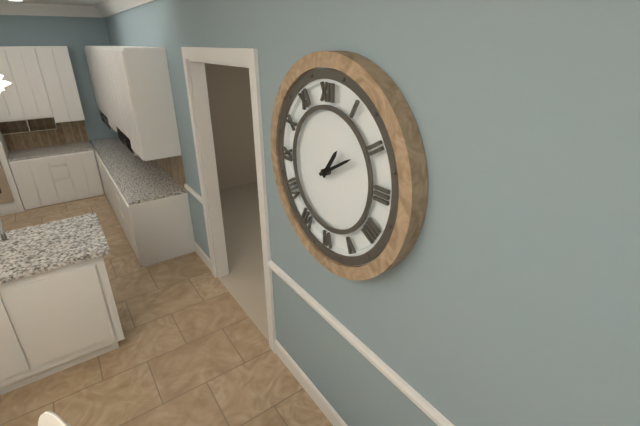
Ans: 1:10
